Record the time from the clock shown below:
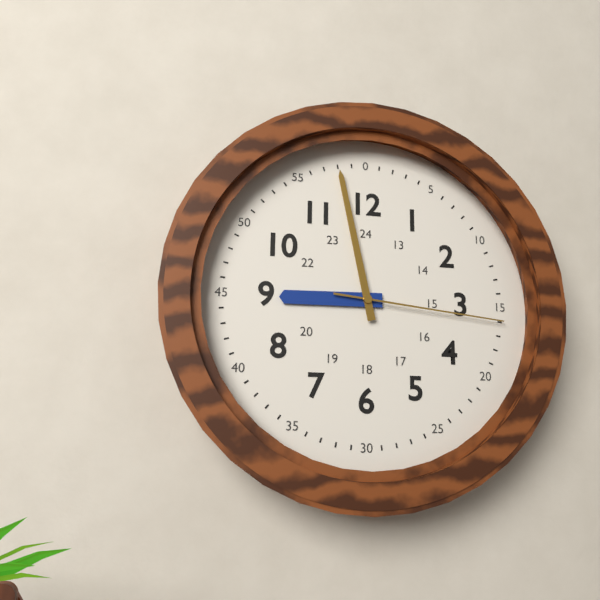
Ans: 8:58:16
